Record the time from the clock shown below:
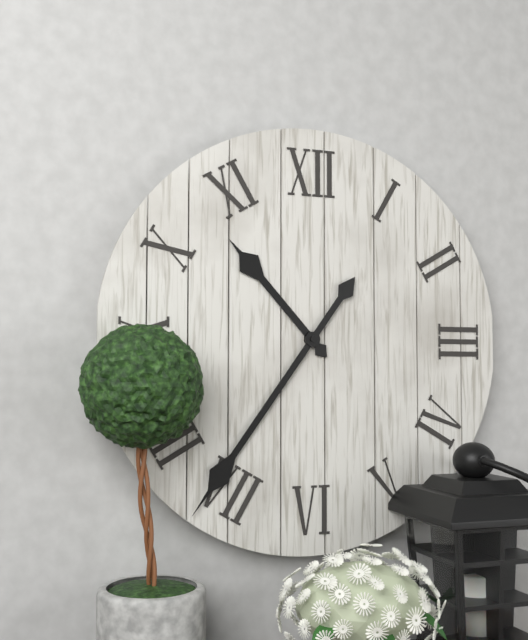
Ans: 10:36
